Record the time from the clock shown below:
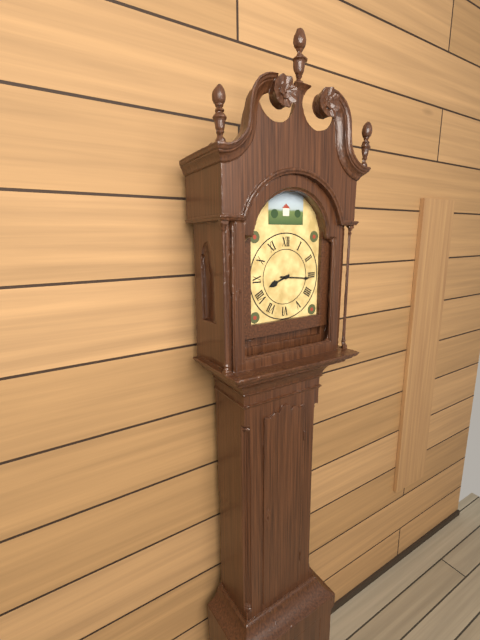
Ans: 8:16
